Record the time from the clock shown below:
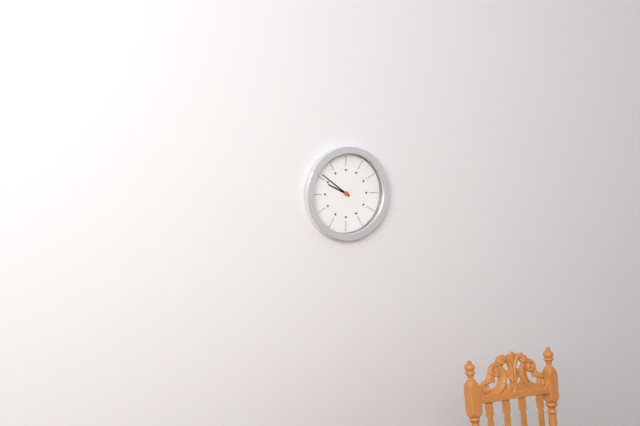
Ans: 9:51
